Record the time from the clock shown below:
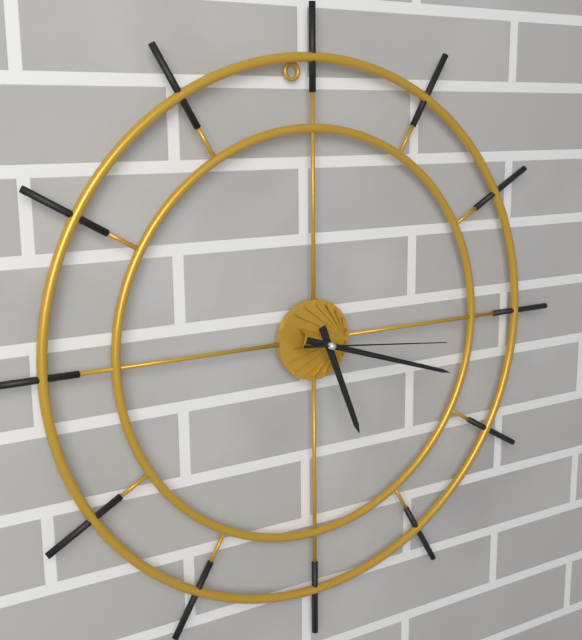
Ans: 5:18:16
